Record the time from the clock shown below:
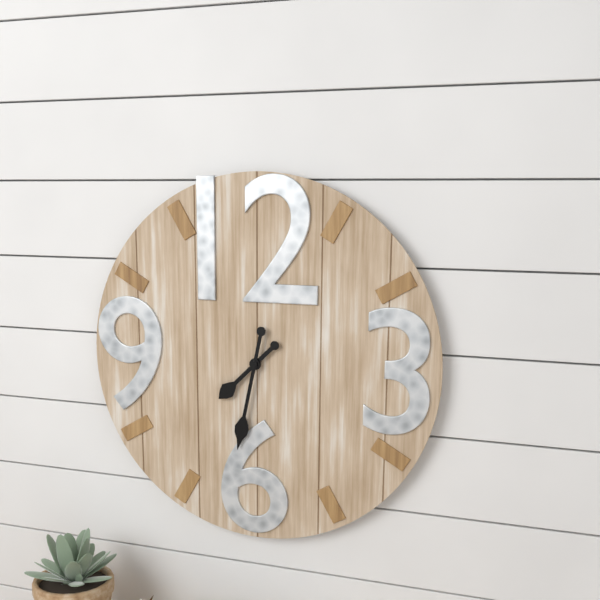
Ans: 7:32
